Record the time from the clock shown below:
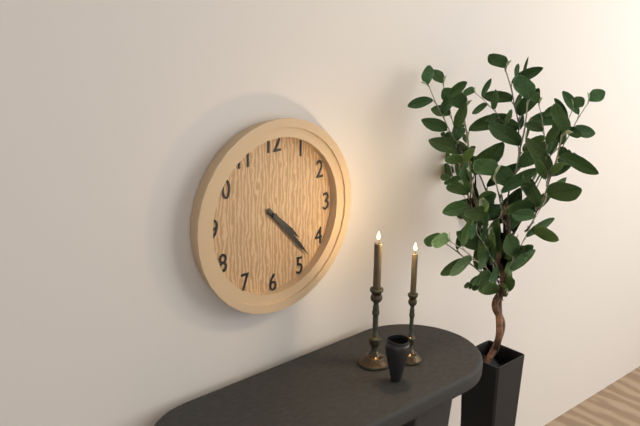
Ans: 4:23
